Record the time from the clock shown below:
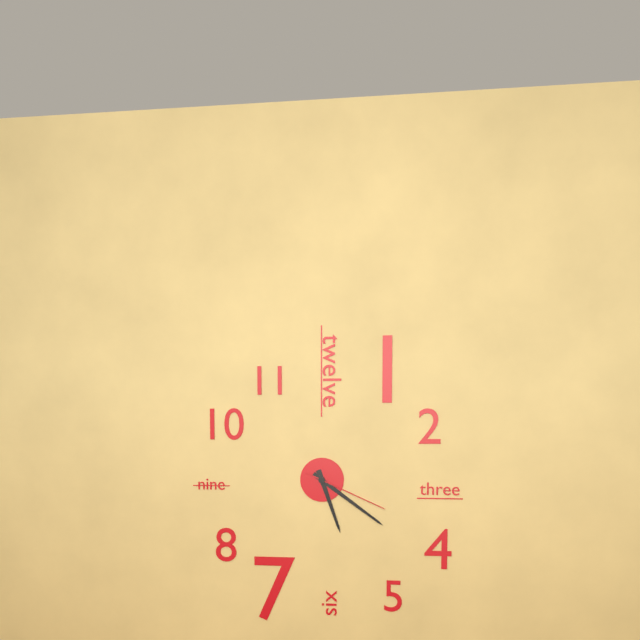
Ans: 5:21:19
